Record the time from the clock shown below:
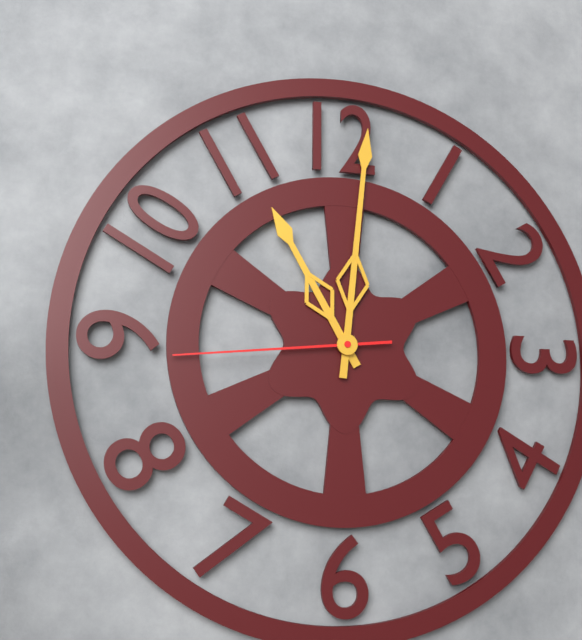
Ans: 11:01:44
